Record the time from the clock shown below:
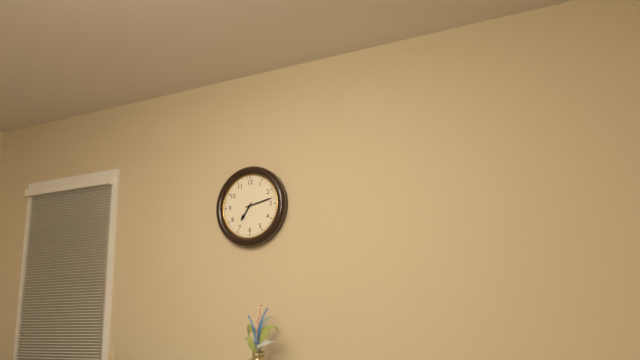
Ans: 7:13
